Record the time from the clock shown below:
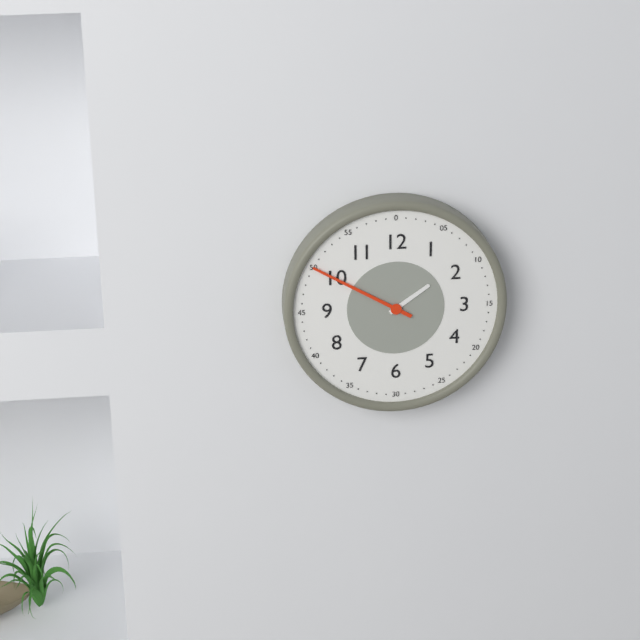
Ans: 1:50
